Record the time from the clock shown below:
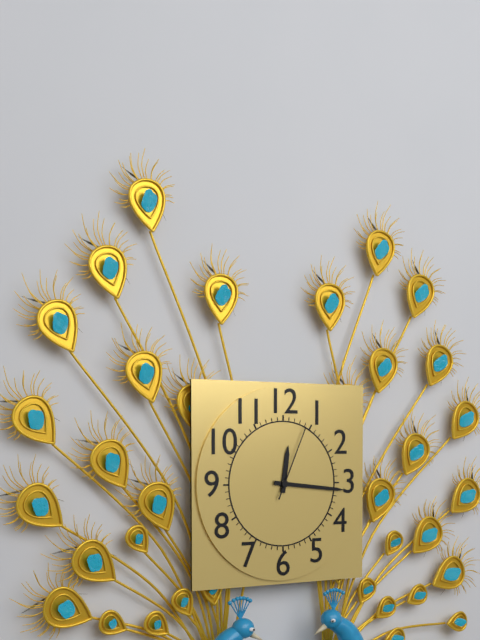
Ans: 12:16:04
